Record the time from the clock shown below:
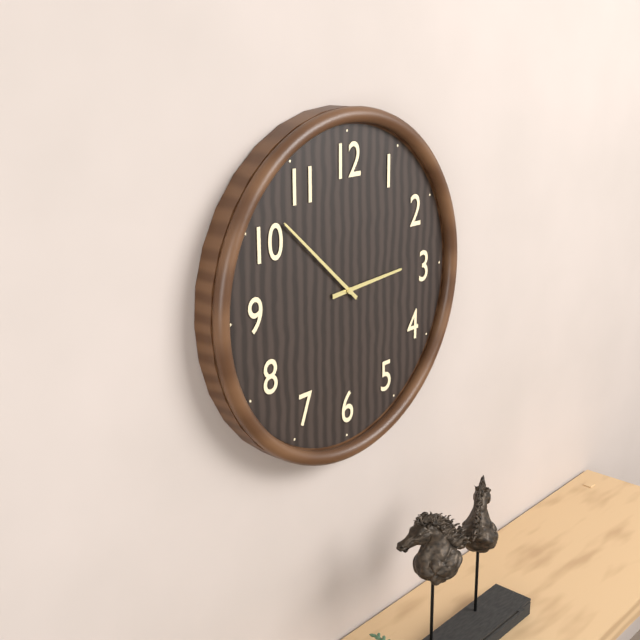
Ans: 2:52
